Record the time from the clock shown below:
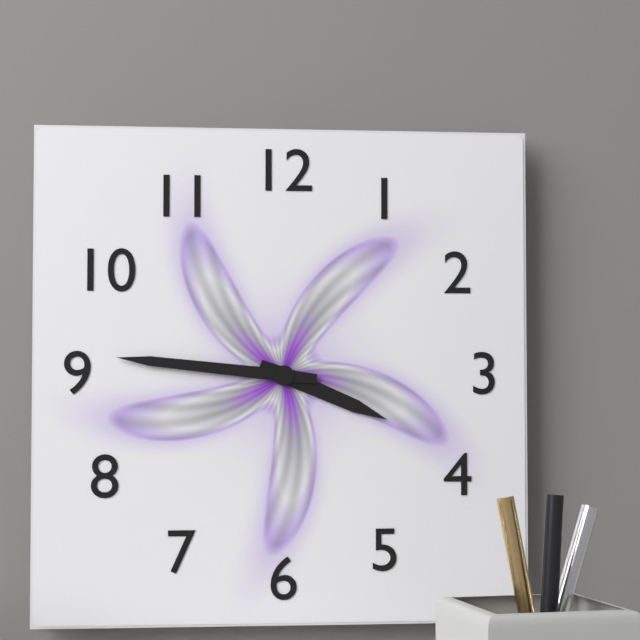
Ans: 3:46
